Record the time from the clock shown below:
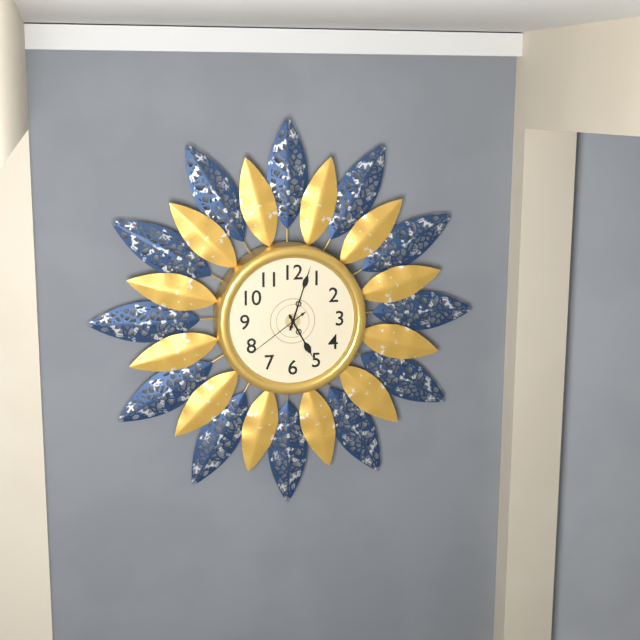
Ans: 5:03:39
